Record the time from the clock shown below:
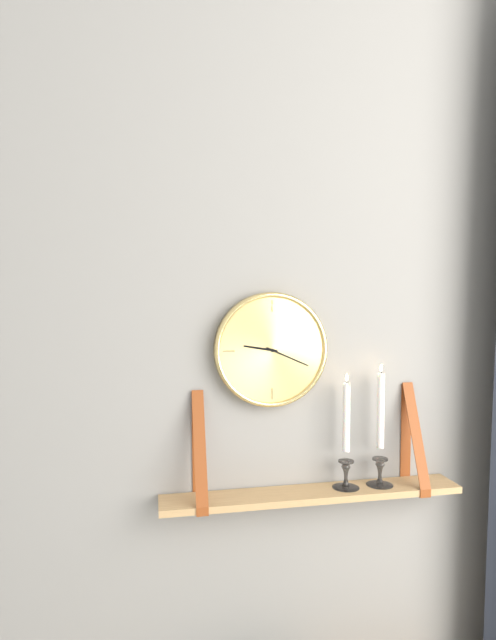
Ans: 9:19
